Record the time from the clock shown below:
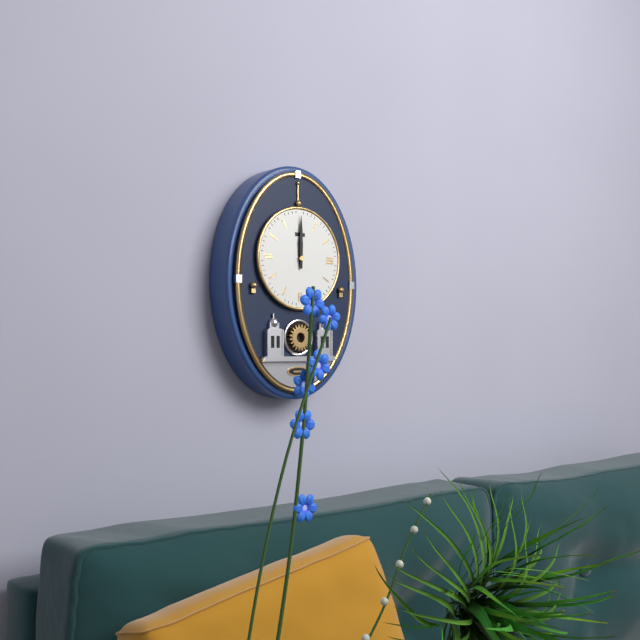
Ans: 12:00
